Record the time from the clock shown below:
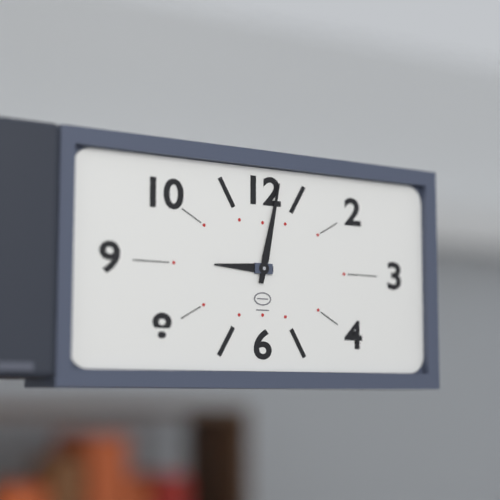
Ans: 9:02
